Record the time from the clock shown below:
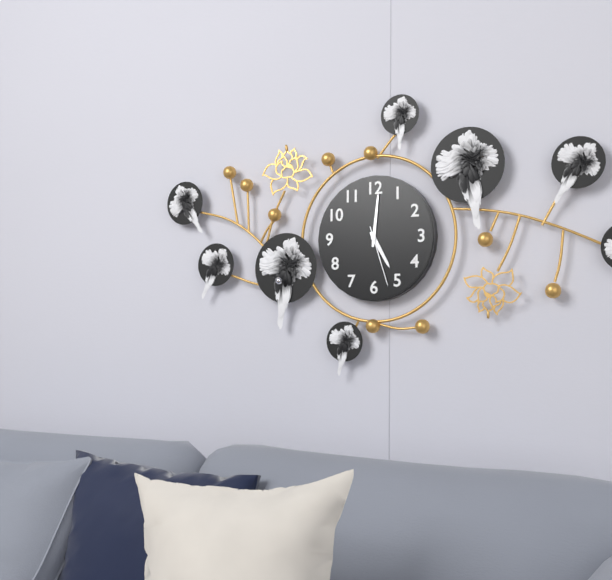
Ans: 5:01:27
